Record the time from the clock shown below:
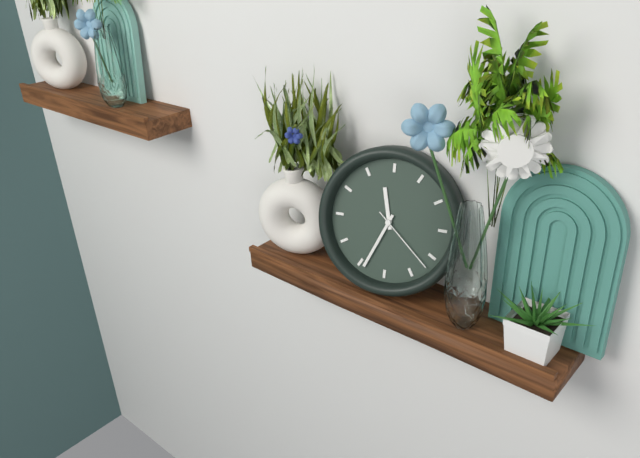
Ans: 11:34:22
